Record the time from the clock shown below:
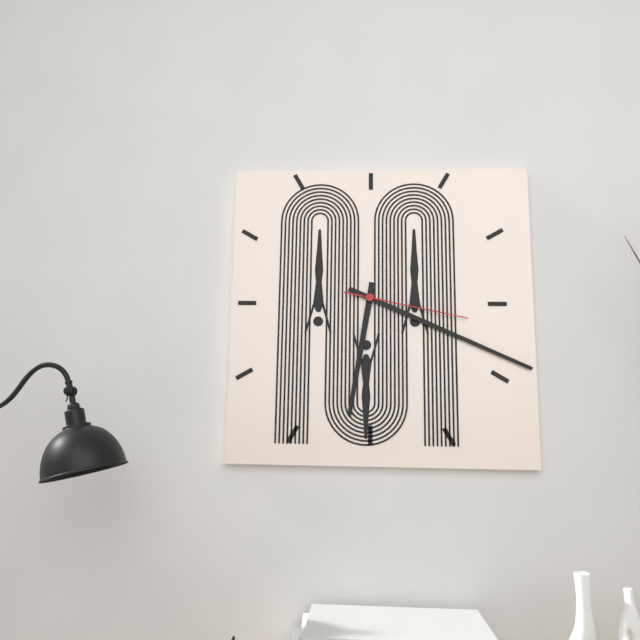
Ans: 6:19:17
